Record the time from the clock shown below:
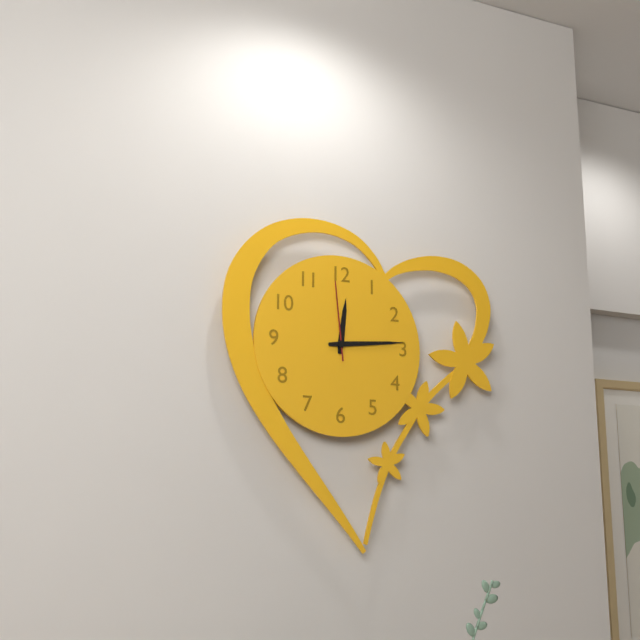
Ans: 12:14:59
